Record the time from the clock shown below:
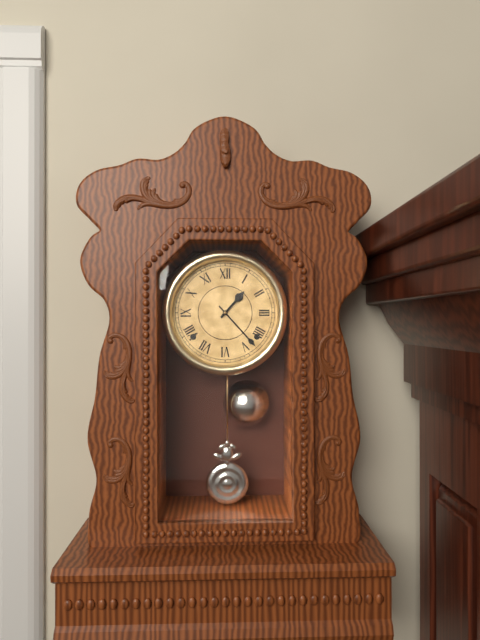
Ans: 1:23
